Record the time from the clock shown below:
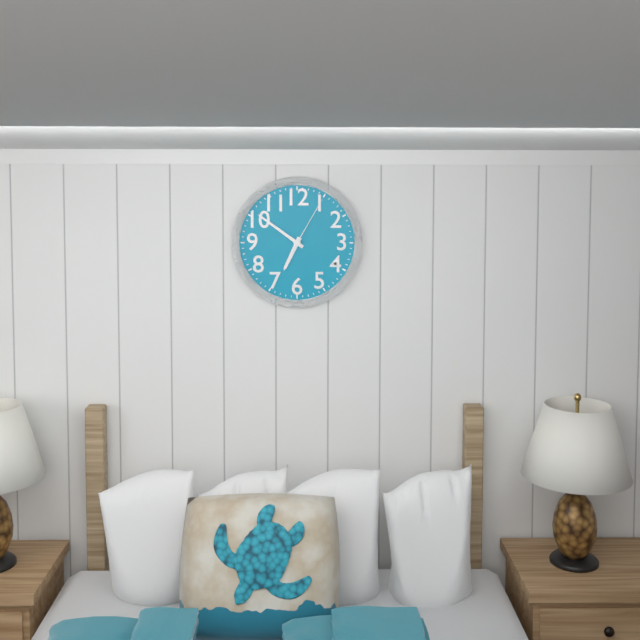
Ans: 6:51:05
